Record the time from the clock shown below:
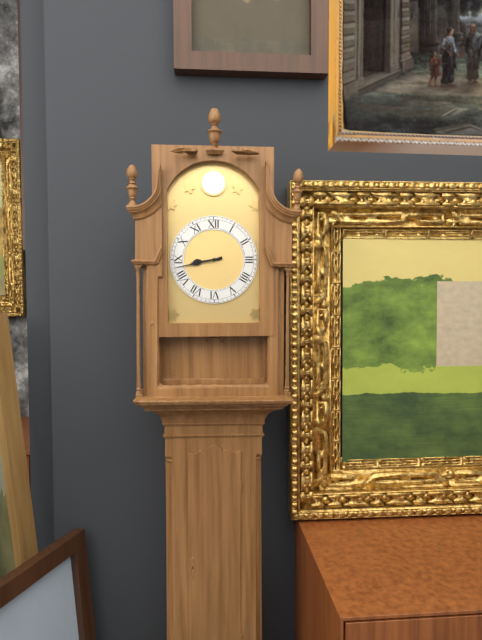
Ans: 8:43
